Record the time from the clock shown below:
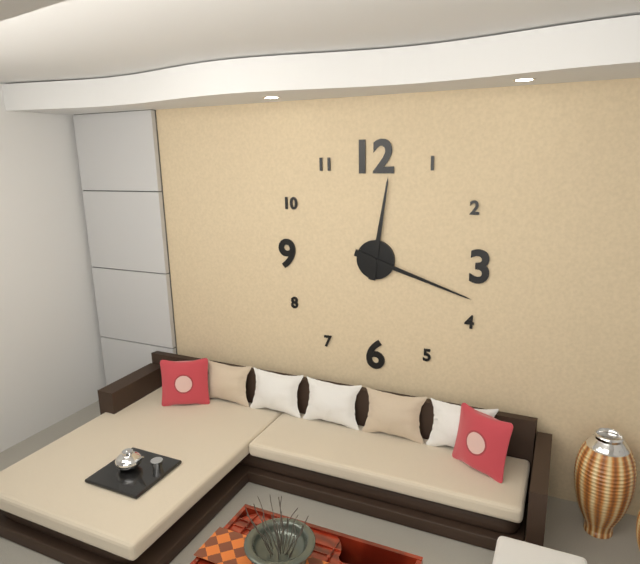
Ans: 12:18
